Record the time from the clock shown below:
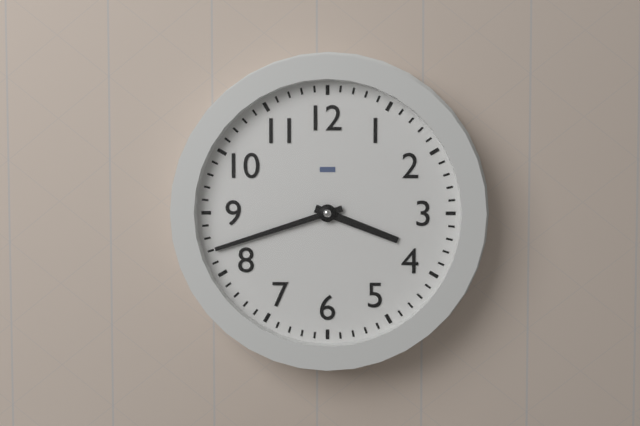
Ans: 3:42
